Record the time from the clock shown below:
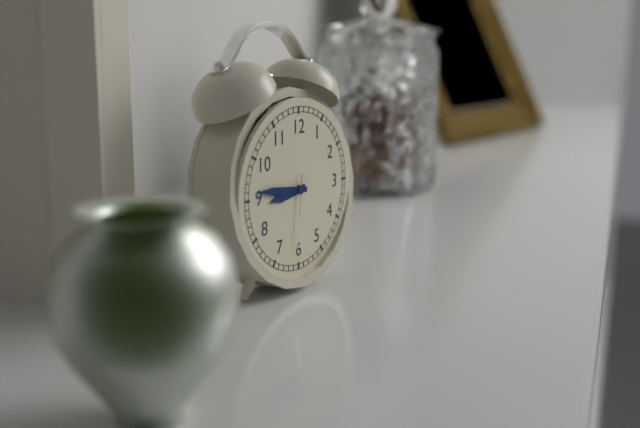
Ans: 8:46:31
